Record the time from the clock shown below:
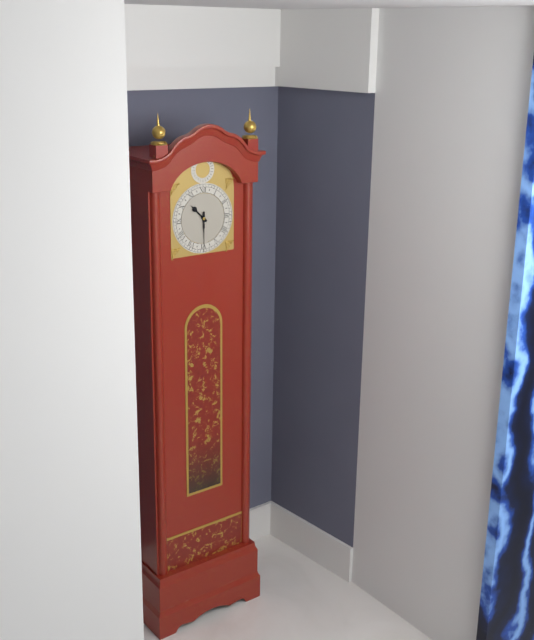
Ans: 10:30
